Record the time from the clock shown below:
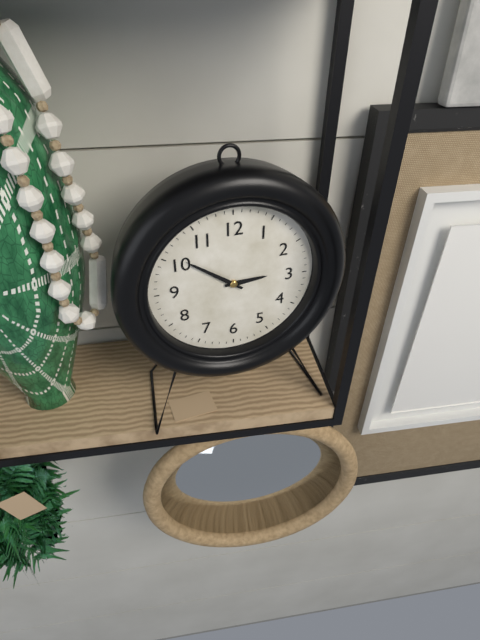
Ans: 2:51
